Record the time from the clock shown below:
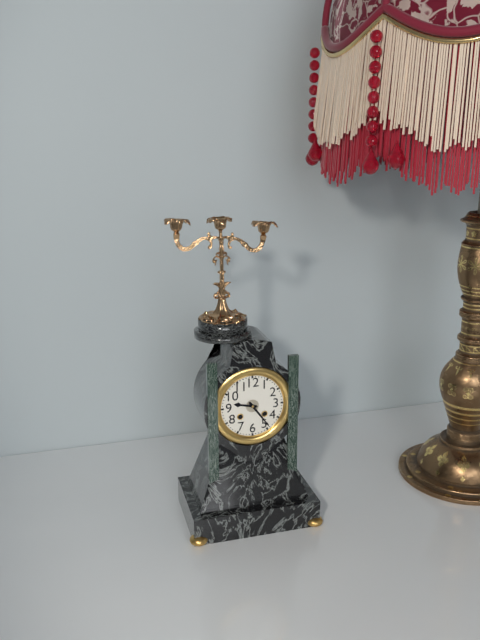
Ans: 9:24
